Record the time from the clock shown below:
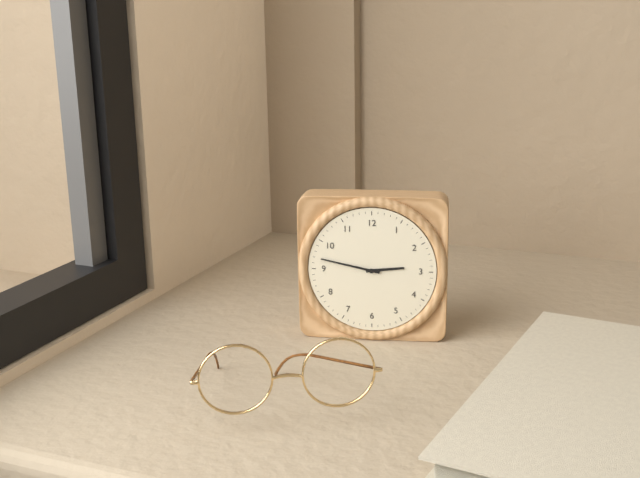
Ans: 2:47
